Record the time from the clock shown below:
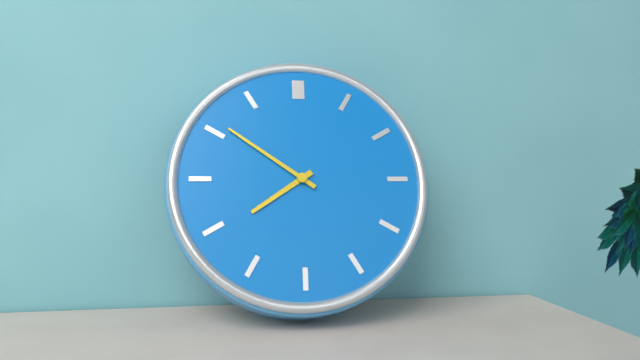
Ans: 7:51
